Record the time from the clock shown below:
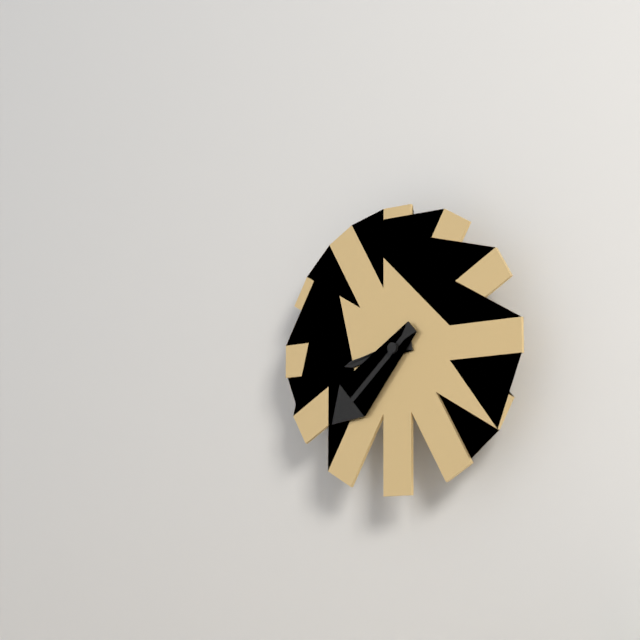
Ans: 8:38
